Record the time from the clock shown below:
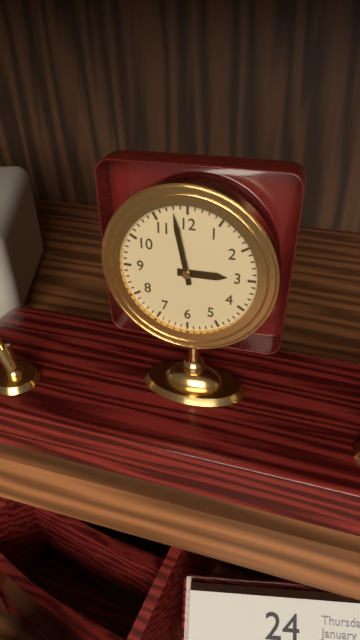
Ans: 2:58
